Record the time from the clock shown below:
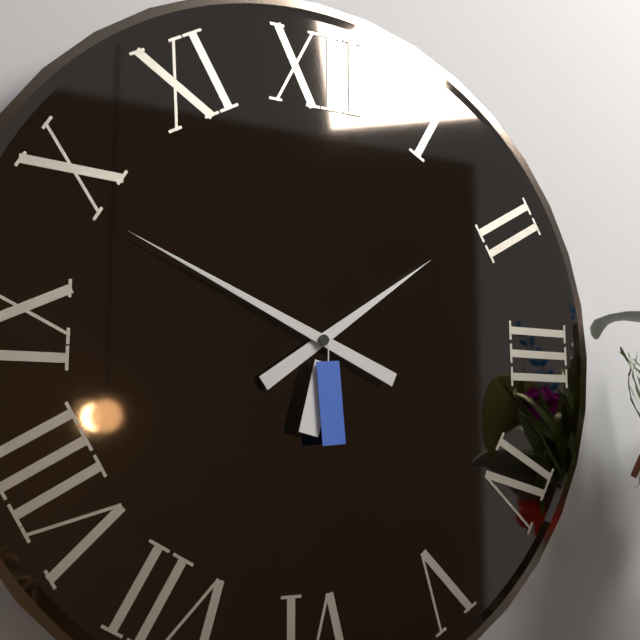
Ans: 1:49
